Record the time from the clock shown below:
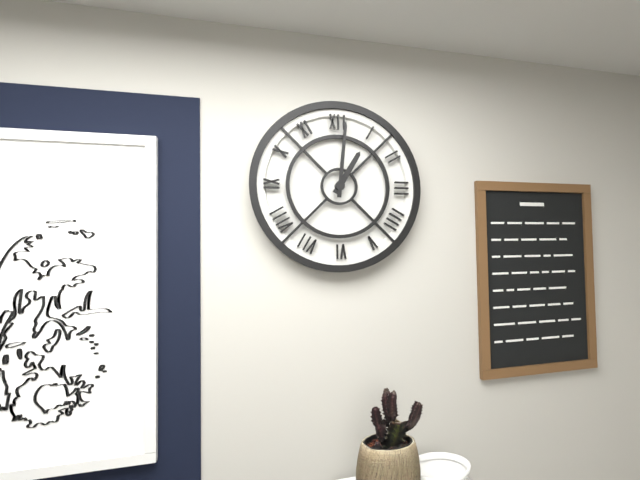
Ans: 1:01
